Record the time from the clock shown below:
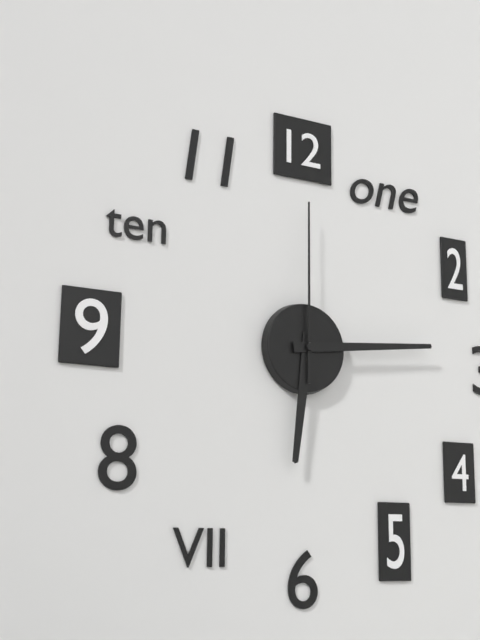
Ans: 6:14:00
